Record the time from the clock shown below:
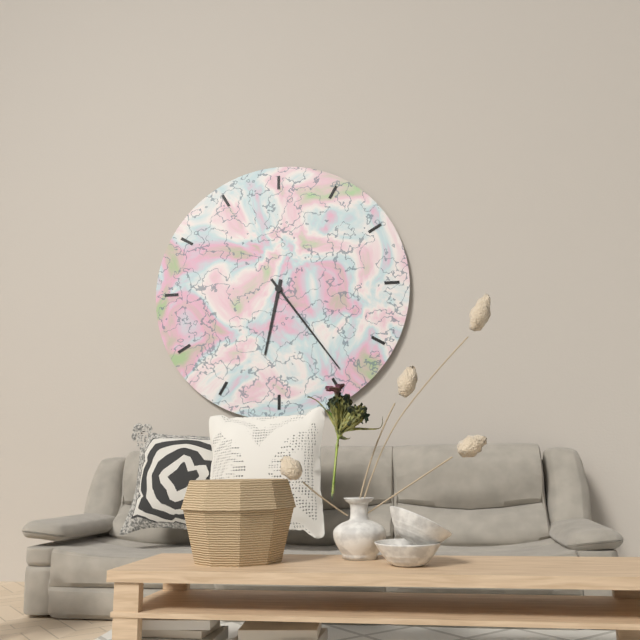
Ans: 6:24
